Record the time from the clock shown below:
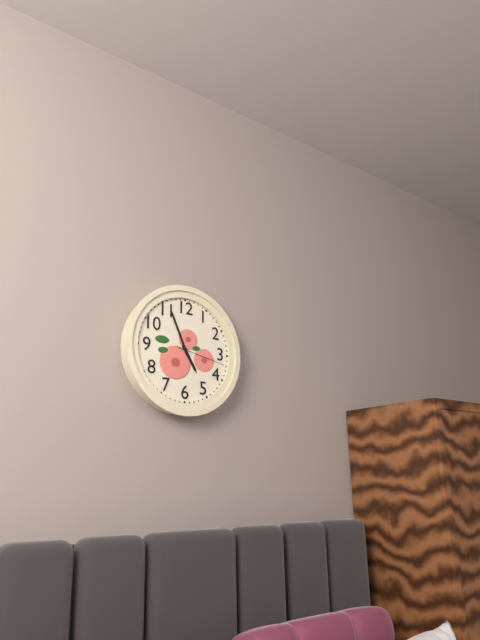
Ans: 4:56:17
